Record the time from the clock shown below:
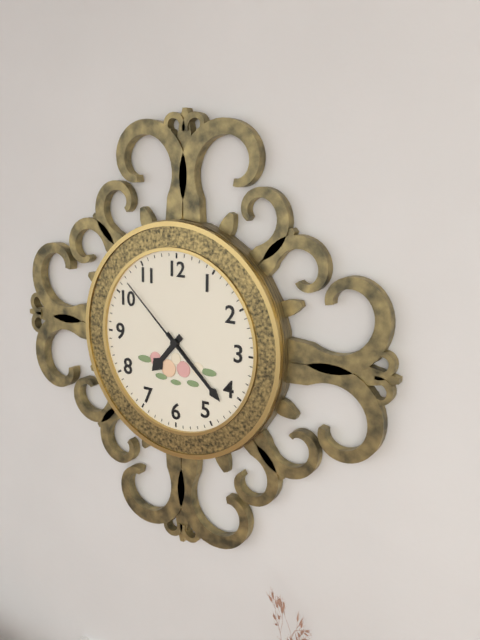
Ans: 7:22:52
